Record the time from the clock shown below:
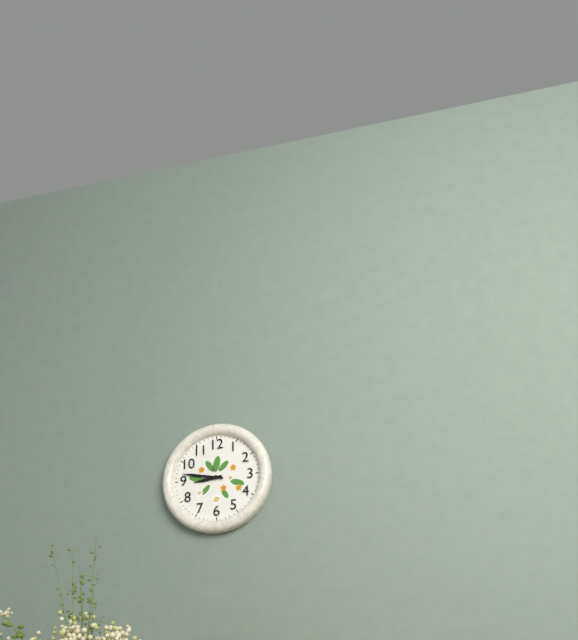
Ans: 8:47
